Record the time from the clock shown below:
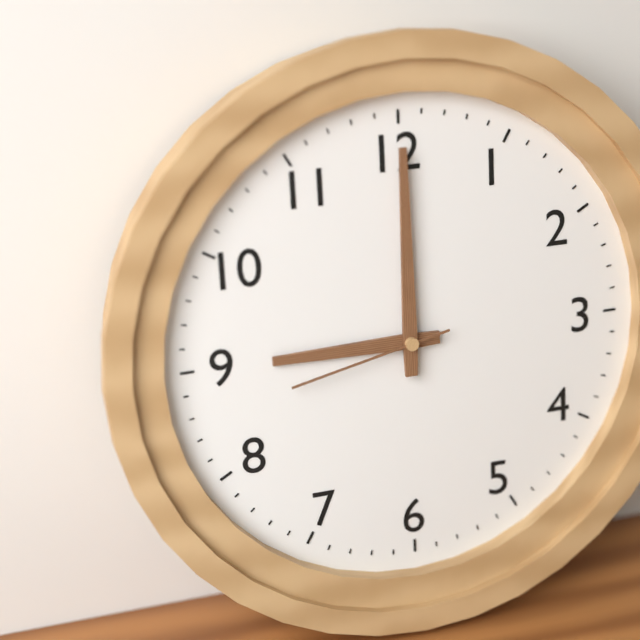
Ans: 9:00:43
